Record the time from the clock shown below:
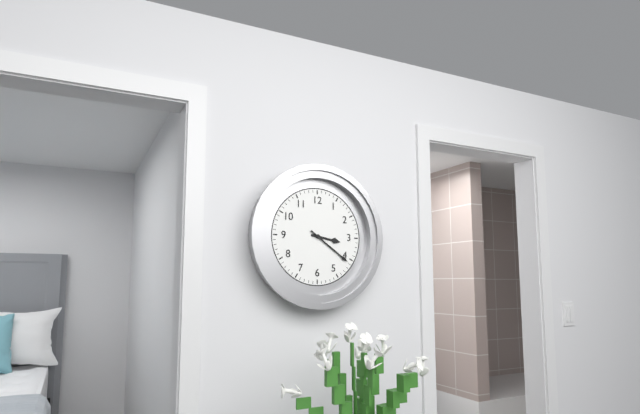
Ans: 3:21
